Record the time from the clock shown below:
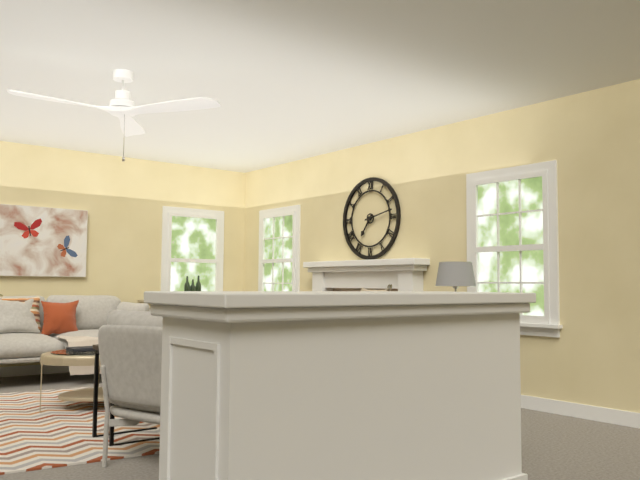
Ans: 7:13
